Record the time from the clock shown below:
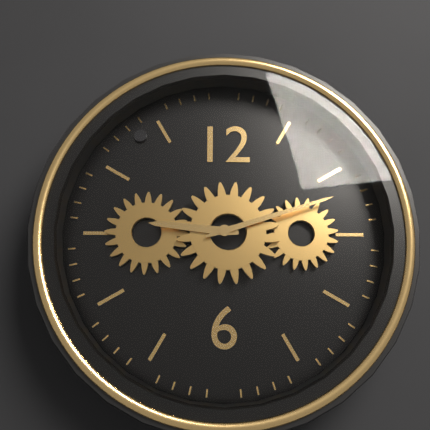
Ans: 9:12
